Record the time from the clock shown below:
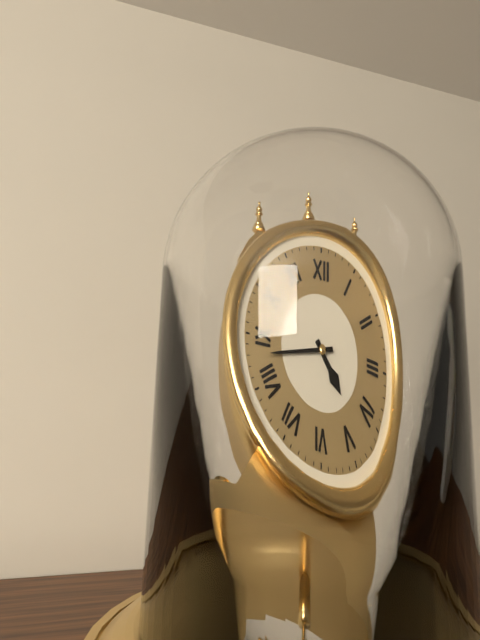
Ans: 4:43
